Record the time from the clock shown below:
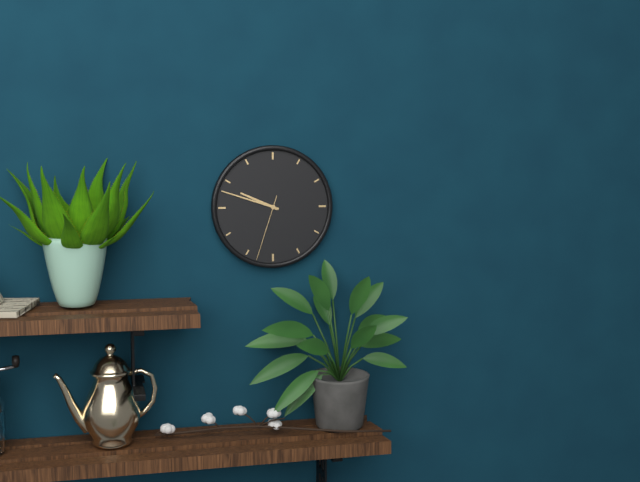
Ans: 9:48:33
